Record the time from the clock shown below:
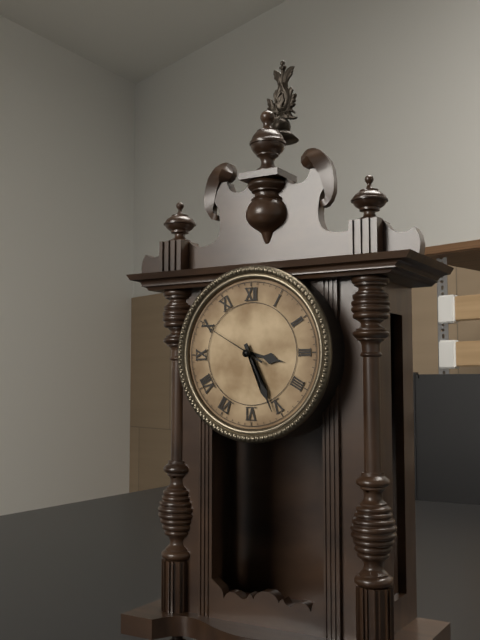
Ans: 3:26:50
